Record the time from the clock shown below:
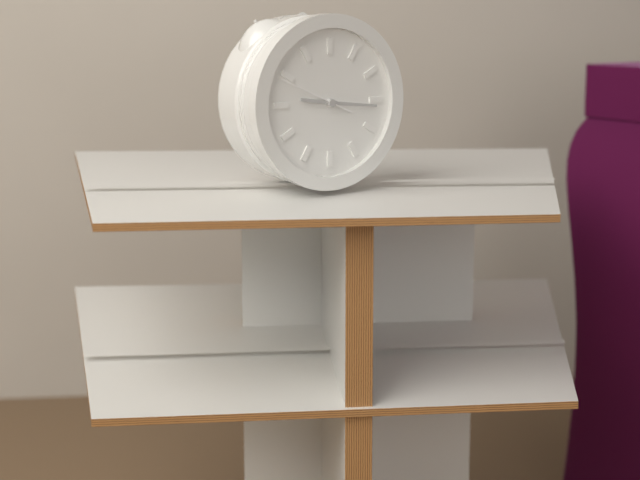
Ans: 9:16:49
